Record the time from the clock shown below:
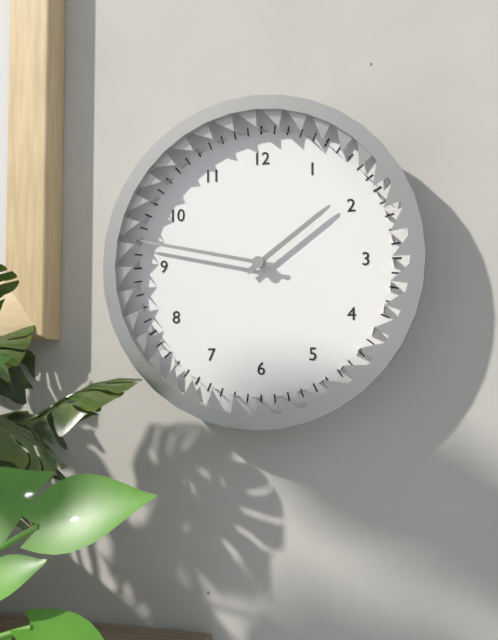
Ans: 1:47
